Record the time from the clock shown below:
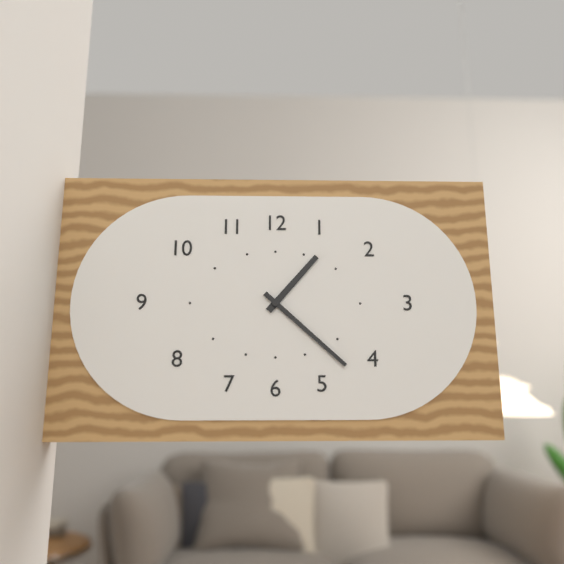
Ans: 1:22
